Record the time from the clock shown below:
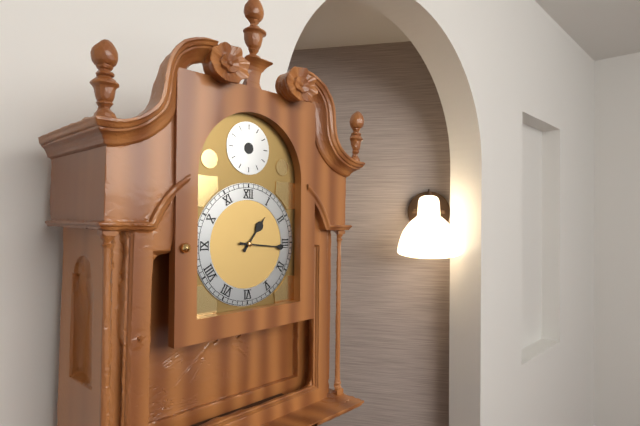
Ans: 1:16
